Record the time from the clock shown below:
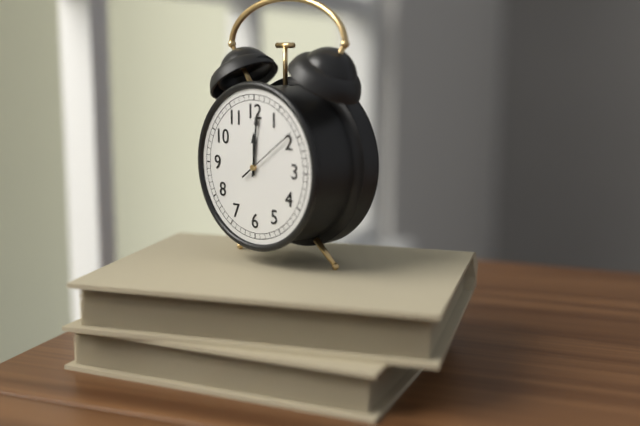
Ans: 12:01
